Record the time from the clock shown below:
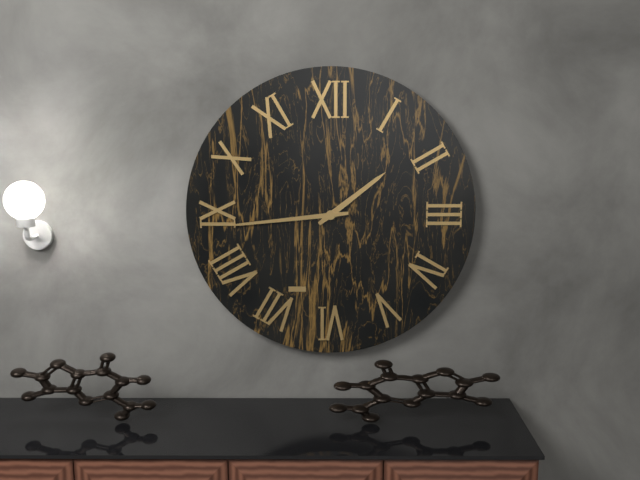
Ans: 1:44
